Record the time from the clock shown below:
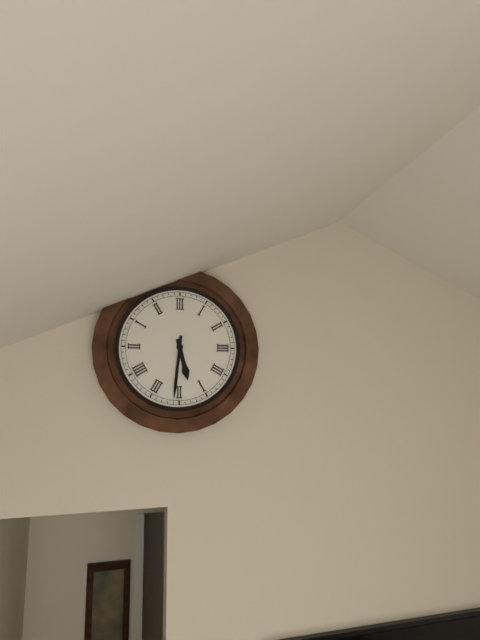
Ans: 5:31
